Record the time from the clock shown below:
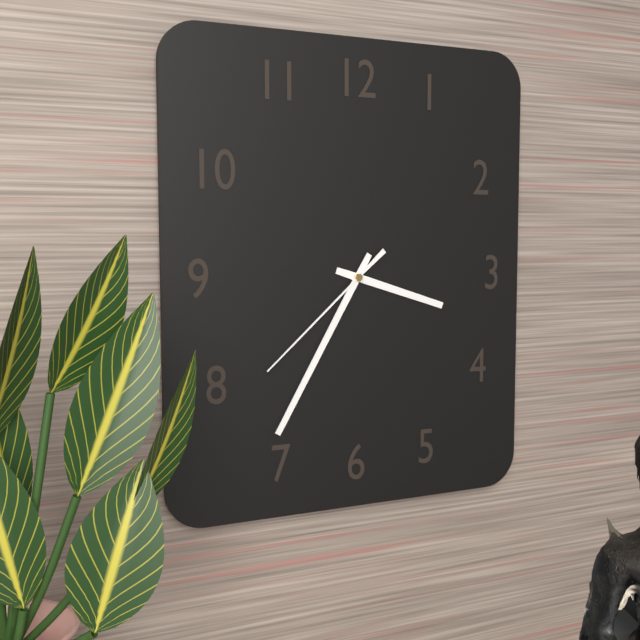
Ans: 3:35:38
